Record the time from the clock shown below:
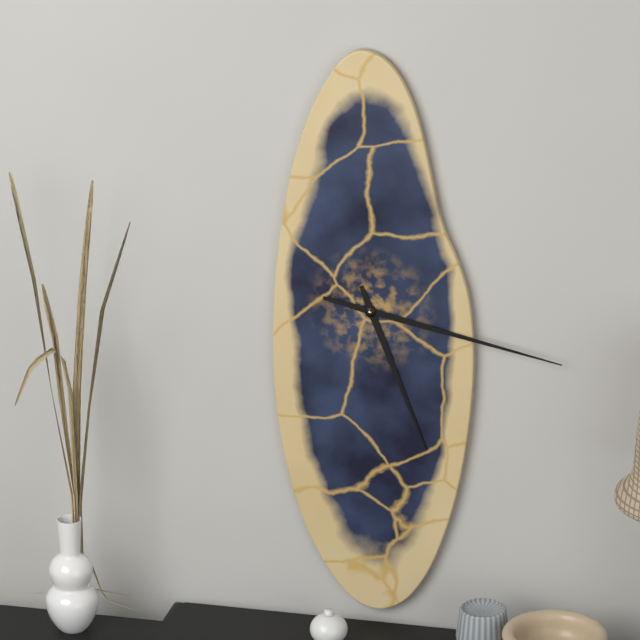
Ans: 5:17
